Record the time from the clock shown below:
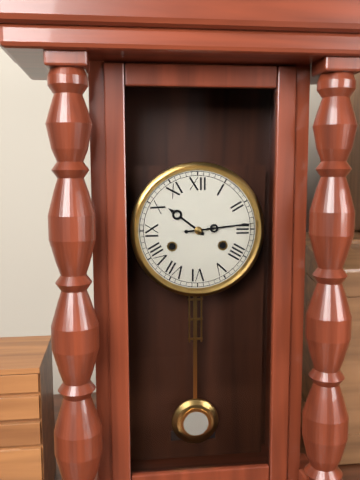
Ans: 10:14
